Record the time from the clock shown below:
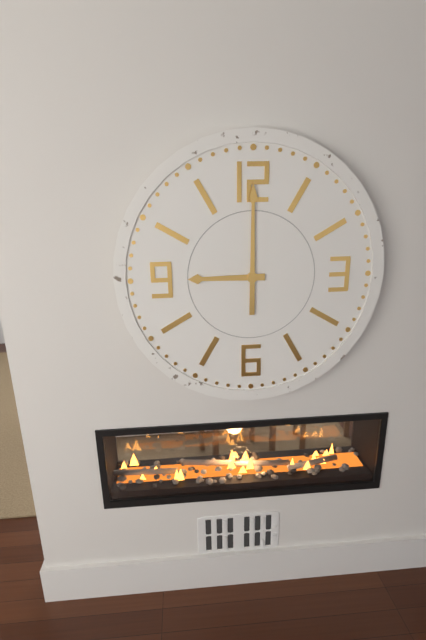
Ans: 9:00
